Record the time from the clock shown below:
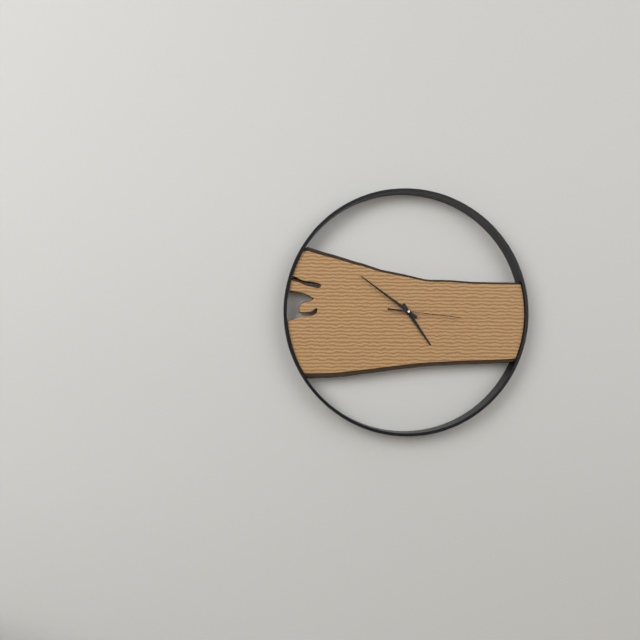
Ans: 4:51:16
